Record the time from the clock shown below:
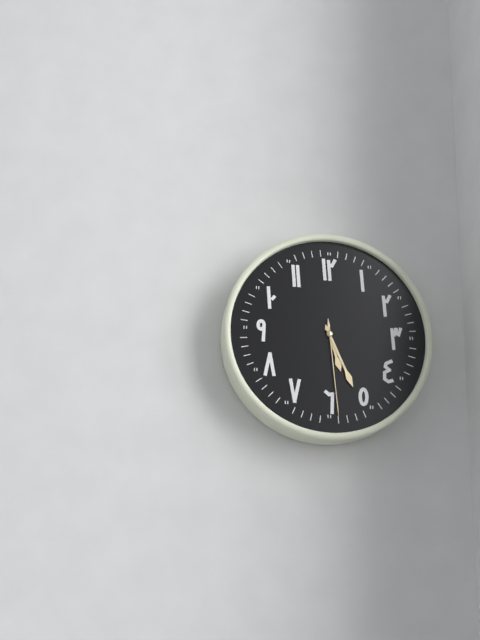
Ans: 5:26:29
